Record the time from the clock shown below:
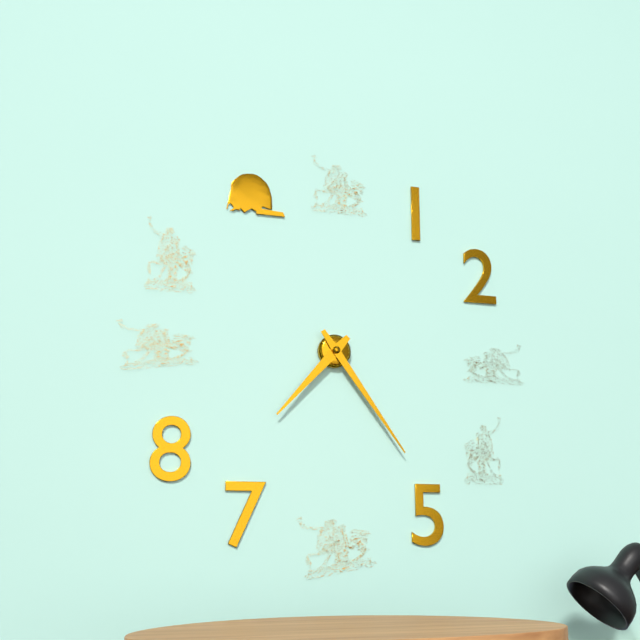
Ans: 7:24
